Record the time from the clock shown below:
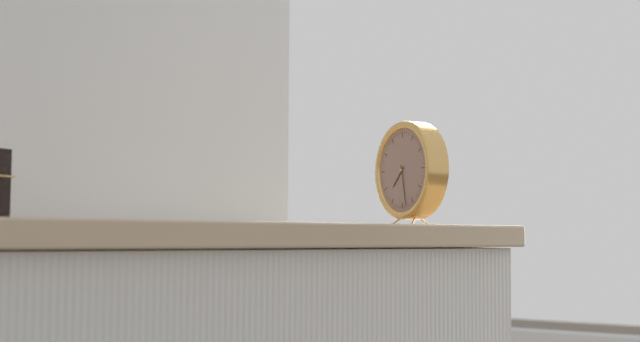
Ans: 7:28
